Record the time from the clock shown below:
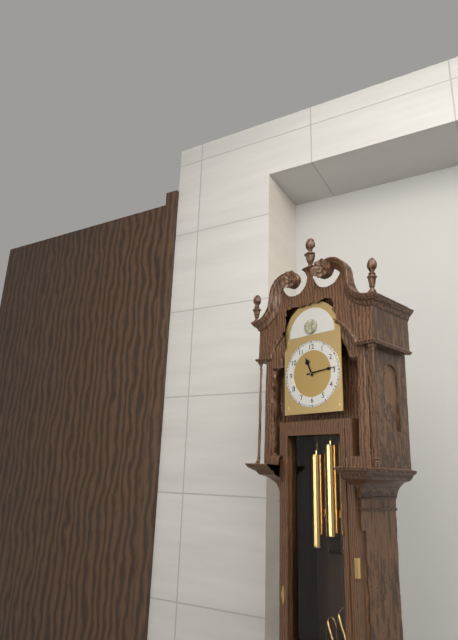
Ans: 11:14
